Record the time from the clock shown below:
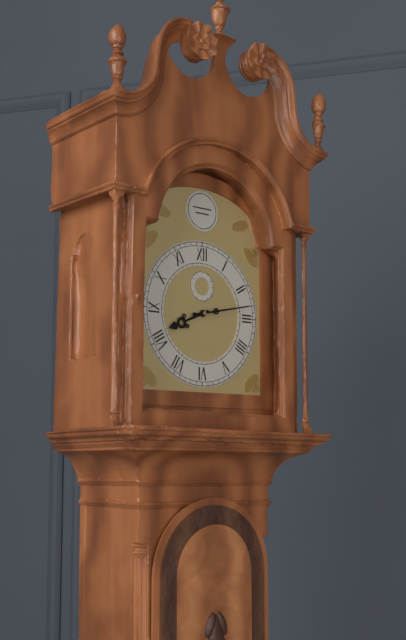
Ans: 8:13
